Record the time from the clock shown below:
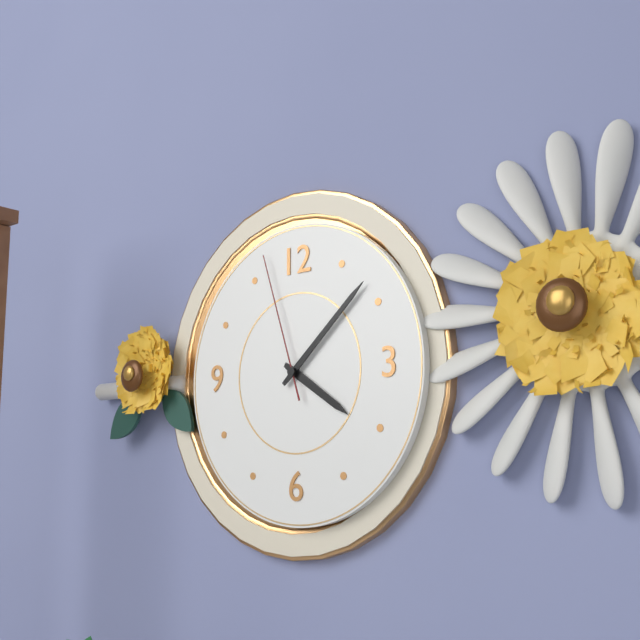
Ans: 4:08:57
